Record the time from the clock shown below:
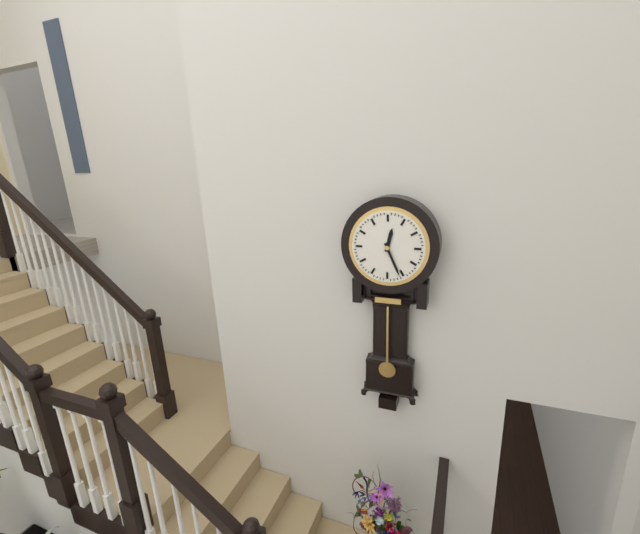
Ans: 12:26
